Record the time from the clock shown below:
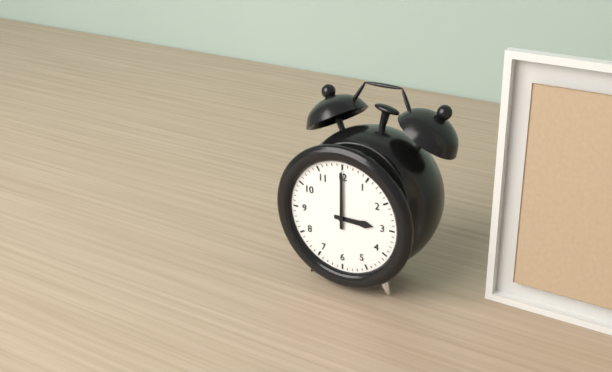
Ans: 3:00
